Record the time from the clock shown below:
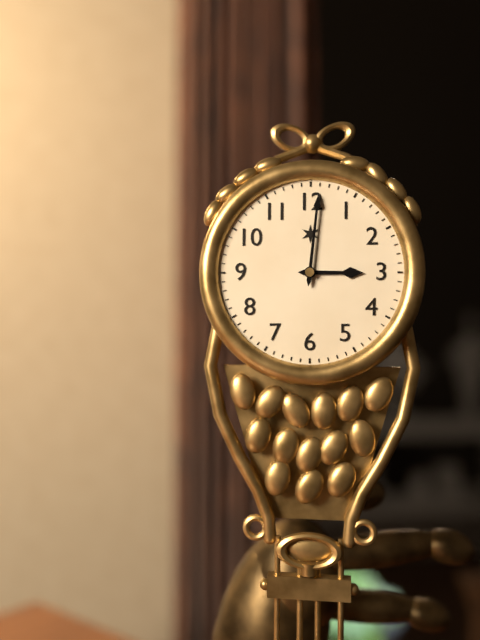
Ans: 3:01
